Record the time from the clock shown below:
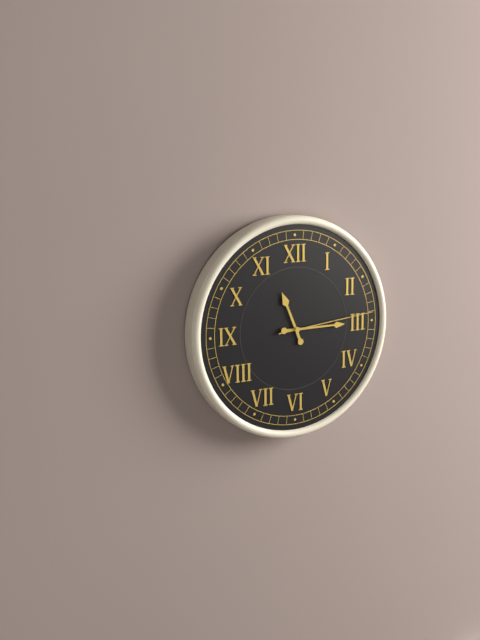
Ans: 11:15:14
